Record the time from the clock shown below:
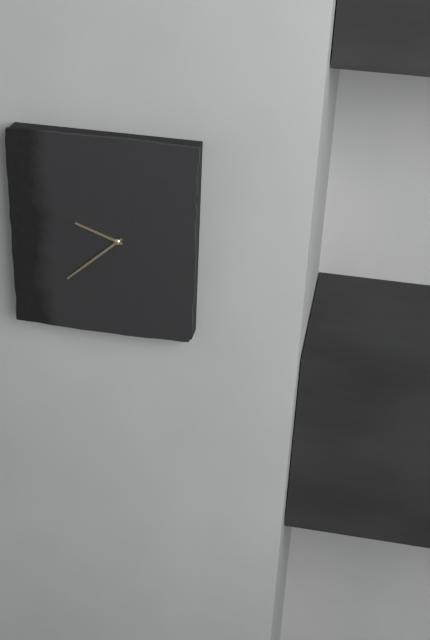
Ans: 9:38
